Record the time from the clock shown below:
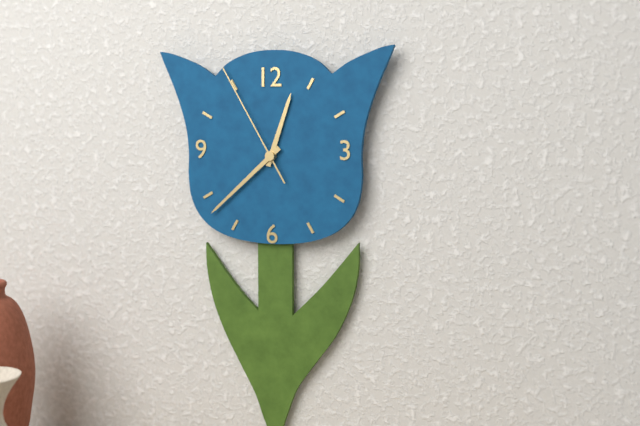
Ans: 12:38:55
